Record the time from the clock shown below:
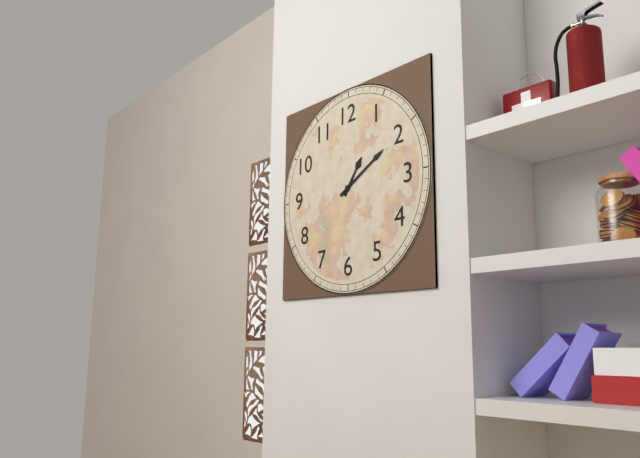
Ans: 1:10
